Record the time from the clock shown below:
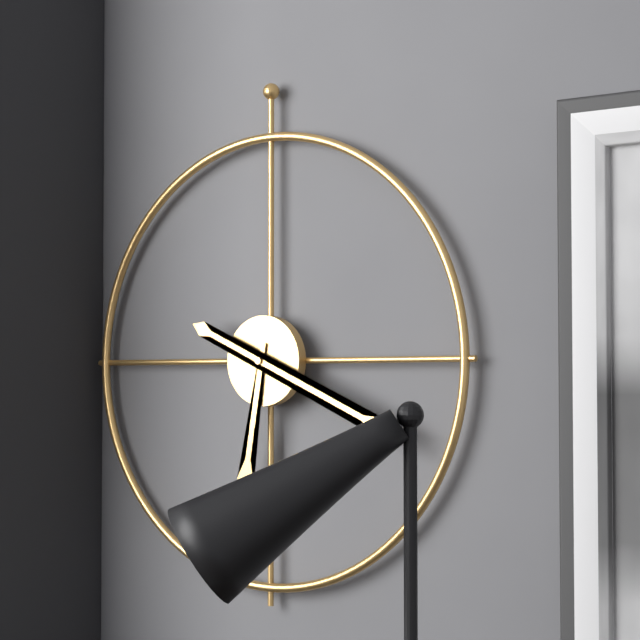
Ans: 6:19
